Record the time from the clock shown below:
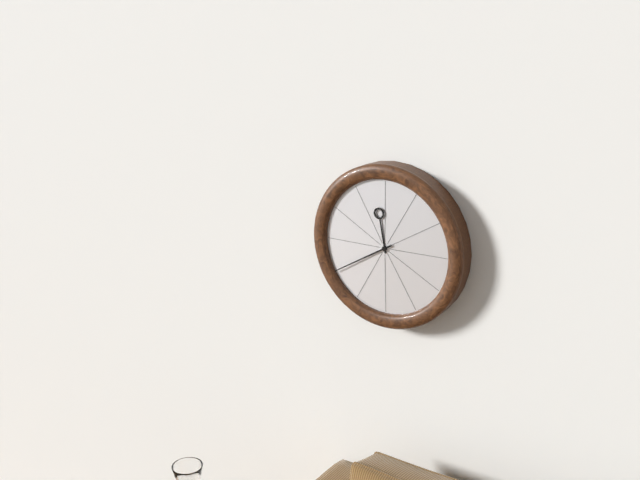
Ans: 11:40
